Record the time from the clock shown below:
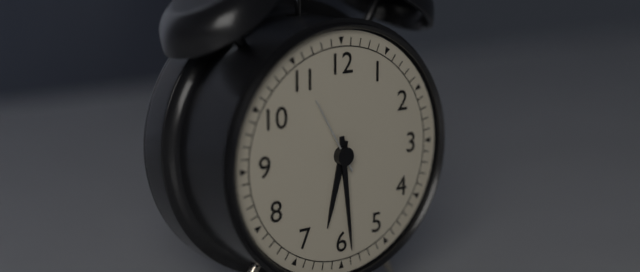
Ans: 6:29:55
